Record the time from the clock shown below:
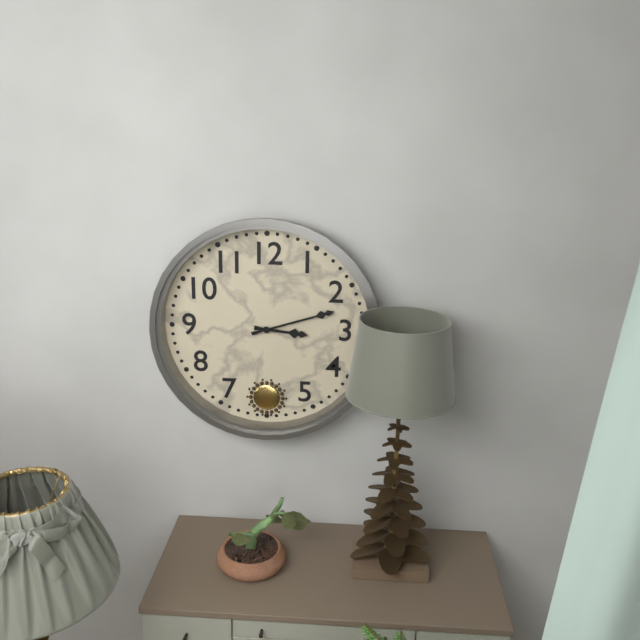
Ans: 3:12
